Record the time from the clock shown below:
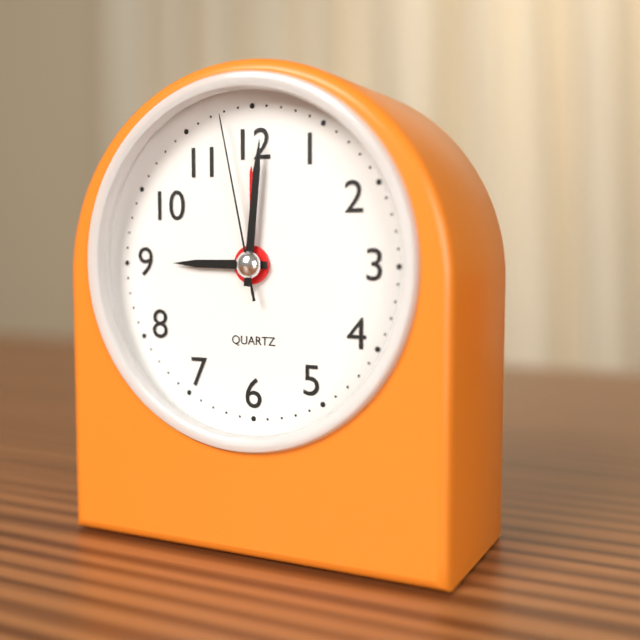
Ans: 9:01:58
